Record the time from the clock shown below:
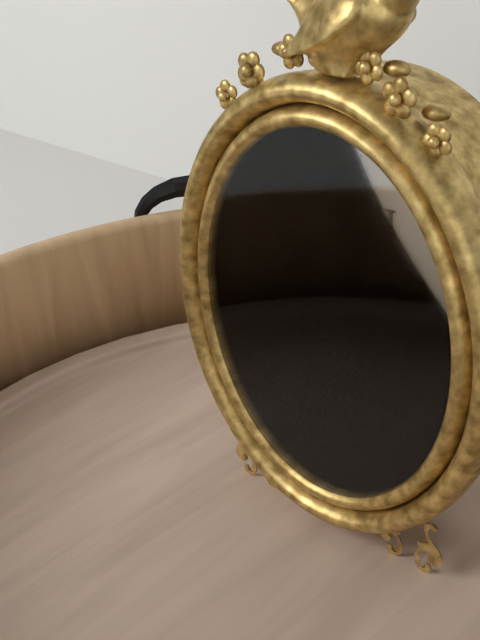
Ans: 5:37:11
